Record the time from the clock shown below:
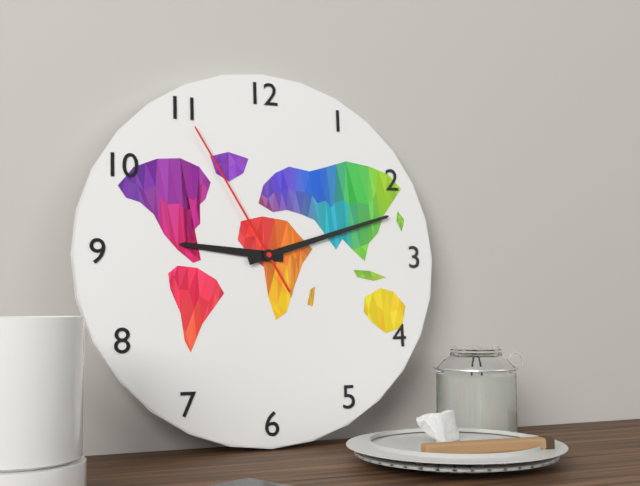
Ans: 9:12:55
